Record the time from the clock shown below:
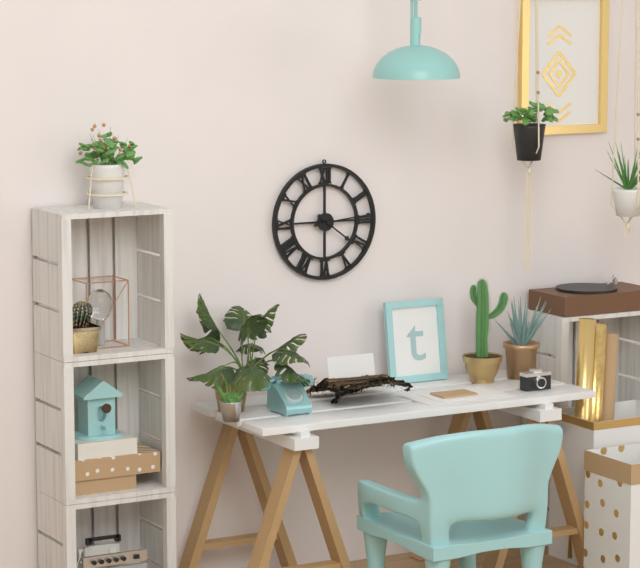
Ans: 4:14
